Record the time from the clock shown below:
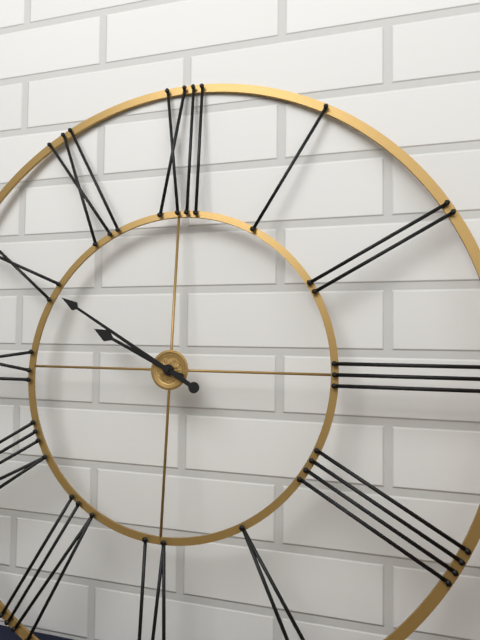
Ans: 9:50
